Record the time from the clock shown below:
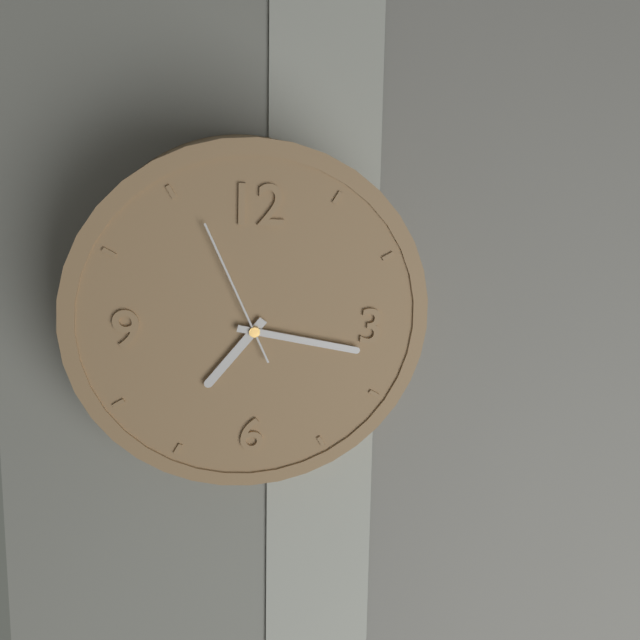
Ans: 7:17:56
